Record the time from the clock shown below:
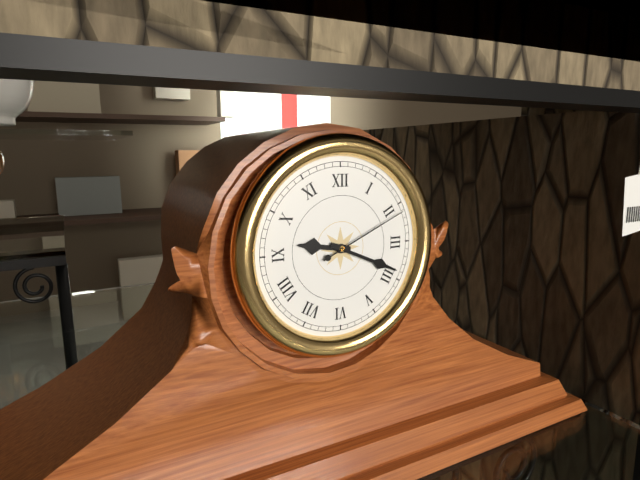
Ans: 9:19:11
